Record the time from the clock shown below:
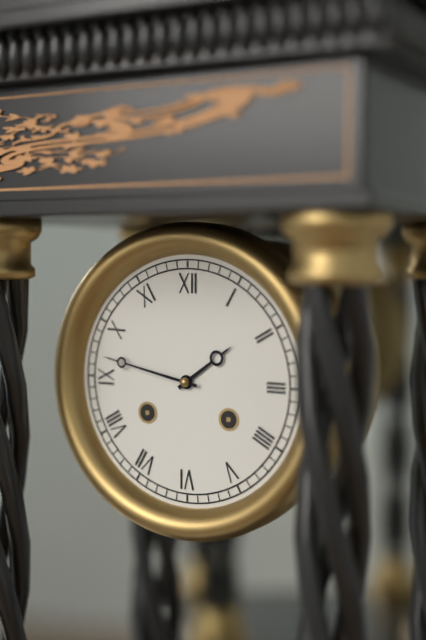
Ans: 1:47
